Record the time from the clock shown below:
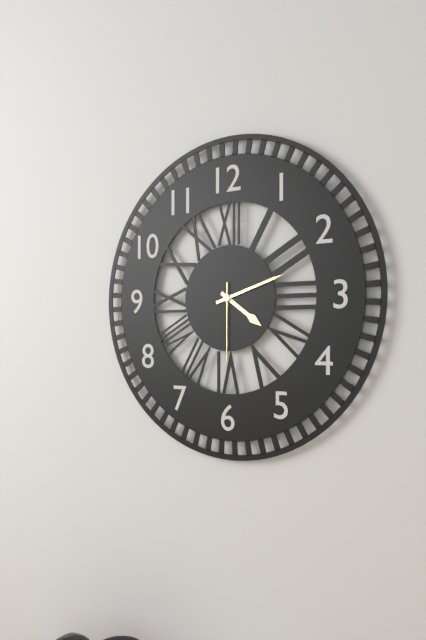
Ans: 4:12:30
